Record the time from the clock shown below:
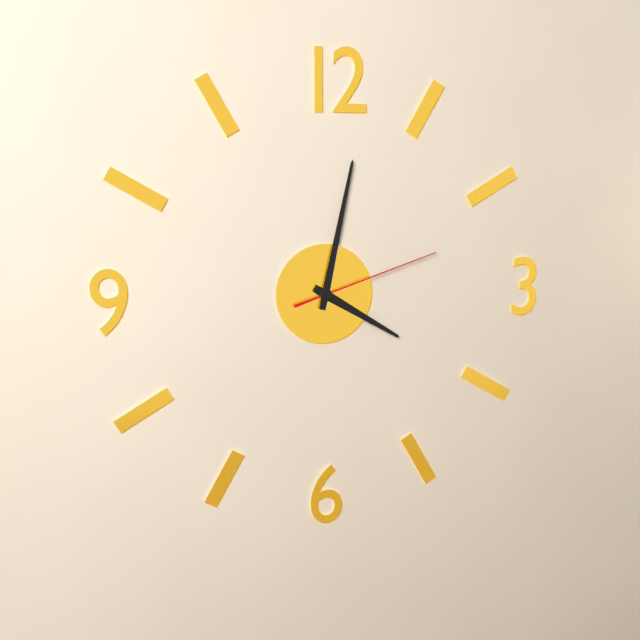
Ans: 4:02:12
